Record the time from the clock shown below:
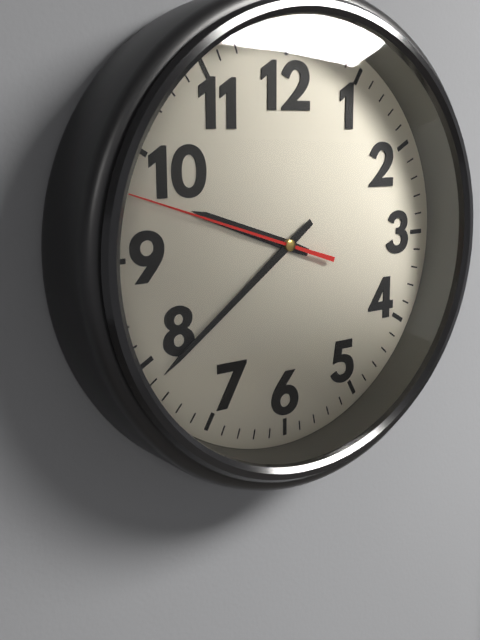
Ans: 9:39:48
